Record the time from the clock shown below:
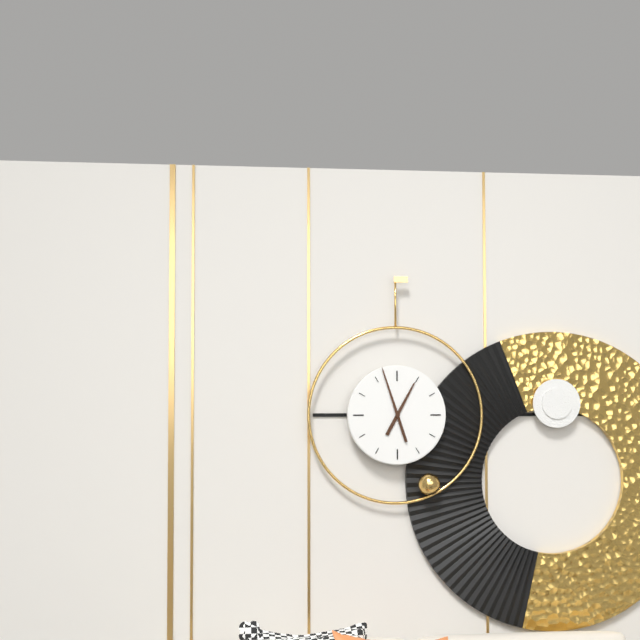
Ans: 12:57
